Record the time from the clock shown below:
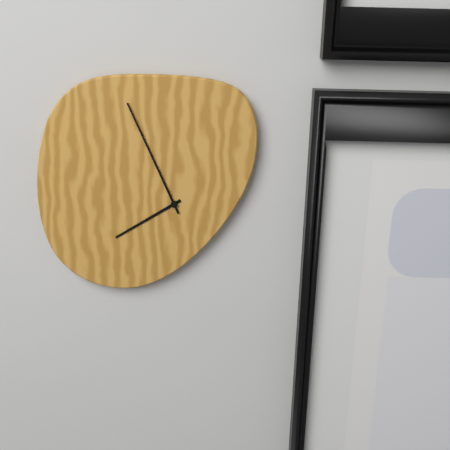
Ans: 7:56
